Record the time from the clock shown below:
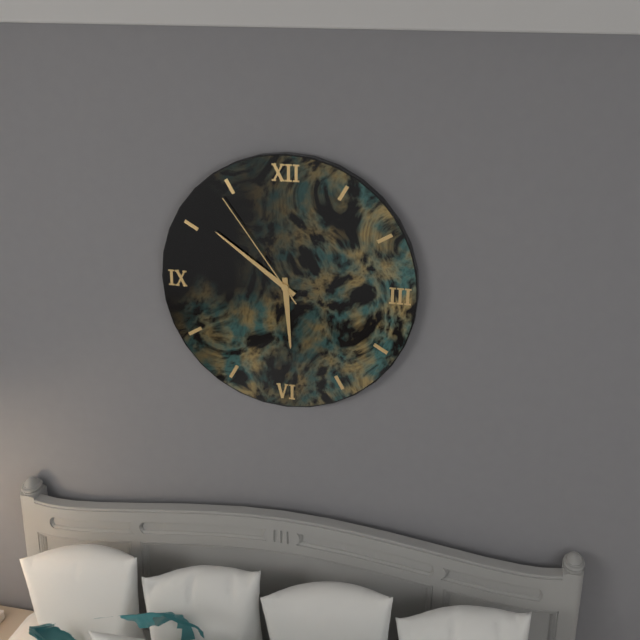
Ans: 5:51:54
